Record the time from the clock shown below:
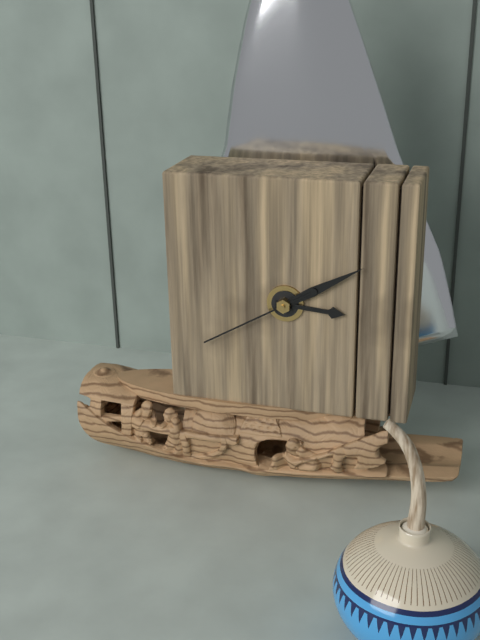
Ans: 3:10:40
